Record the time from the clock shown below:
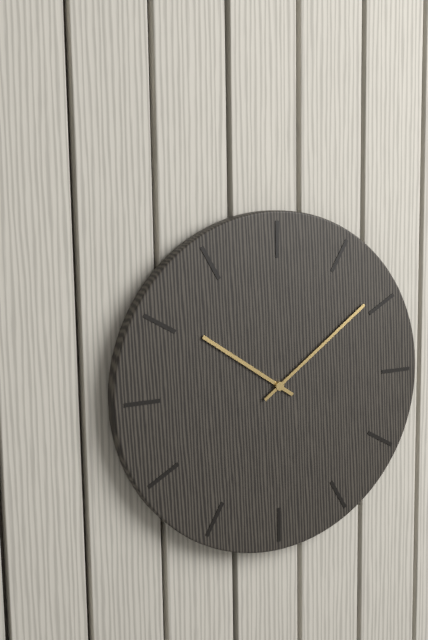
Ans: 10:09
